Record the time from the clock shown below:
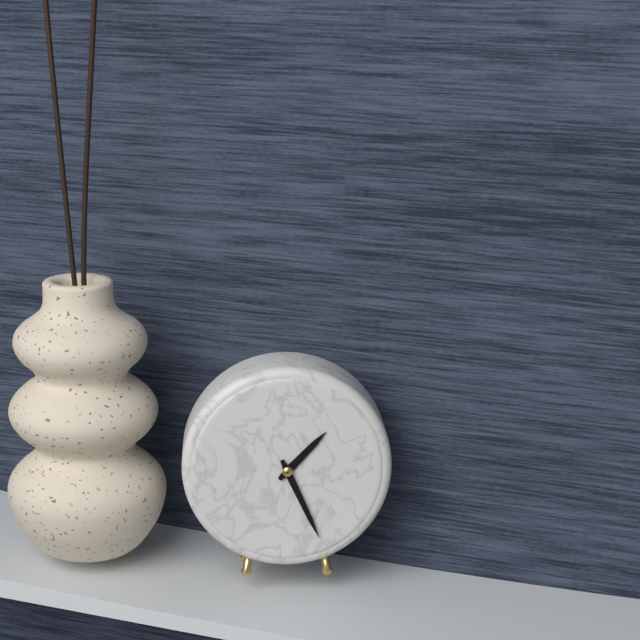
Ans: 1:26
